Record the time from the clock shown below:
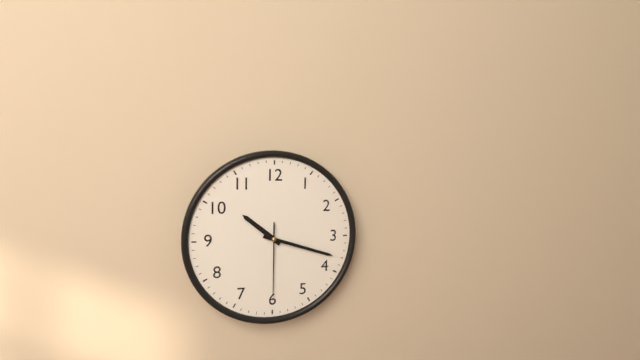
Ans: 10:18:30
